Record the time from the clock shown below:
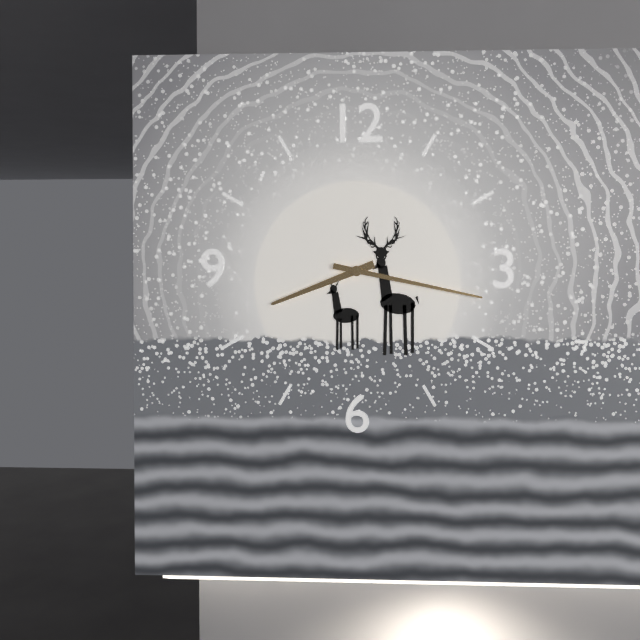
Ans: 8:17
